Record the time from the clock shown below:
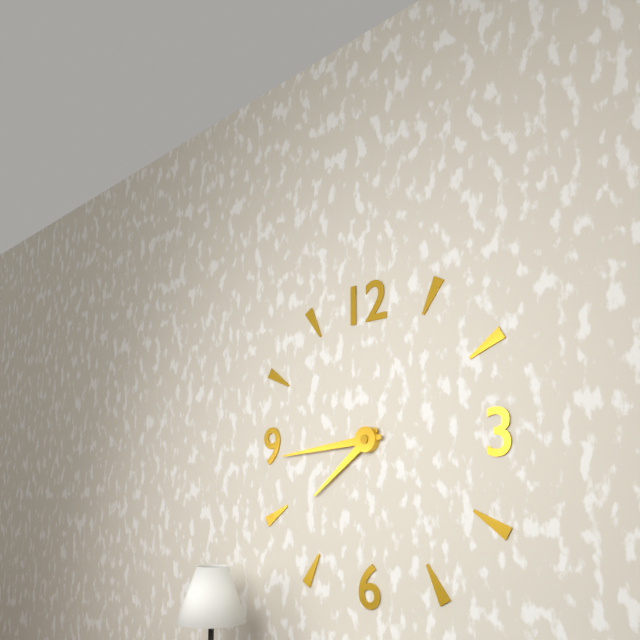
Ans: 7:44
